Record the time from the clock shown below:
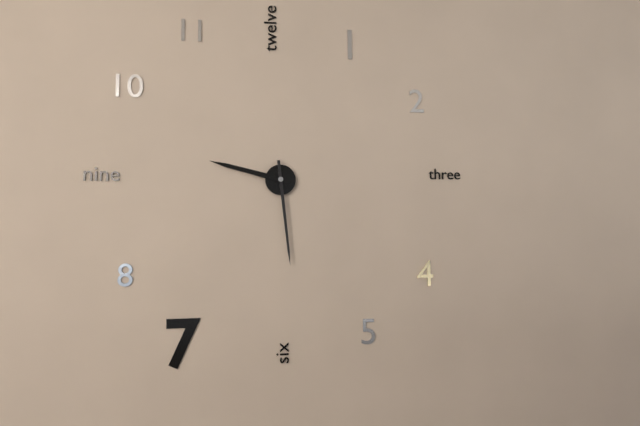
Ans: 9:29
